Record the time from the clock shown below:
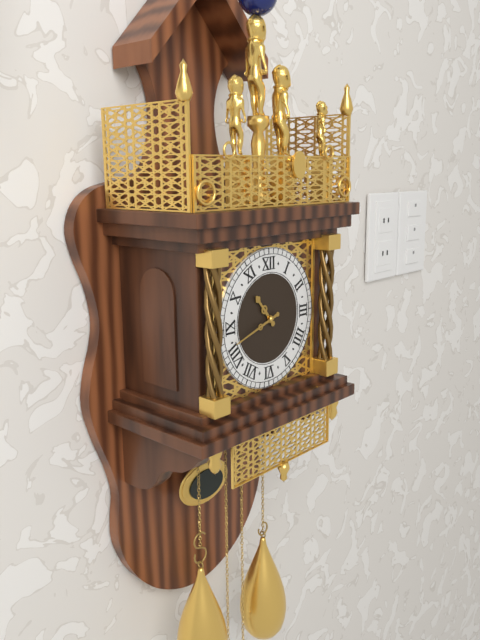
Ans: 10:42
